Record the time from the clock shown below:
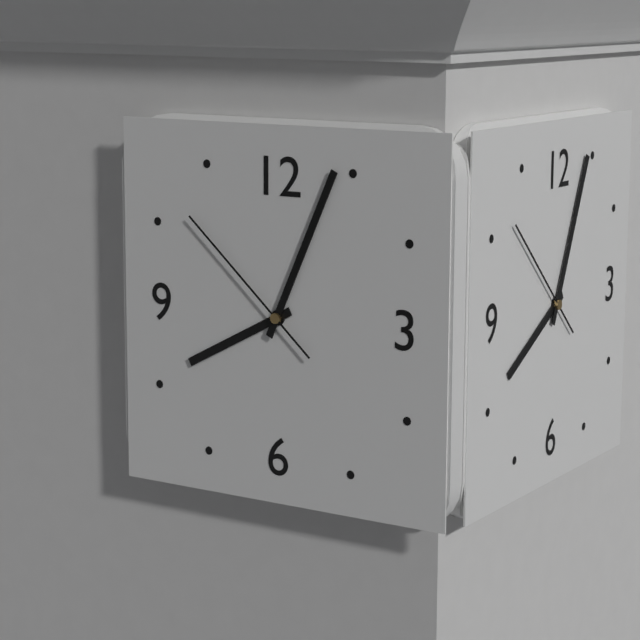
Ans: 8:04:52
